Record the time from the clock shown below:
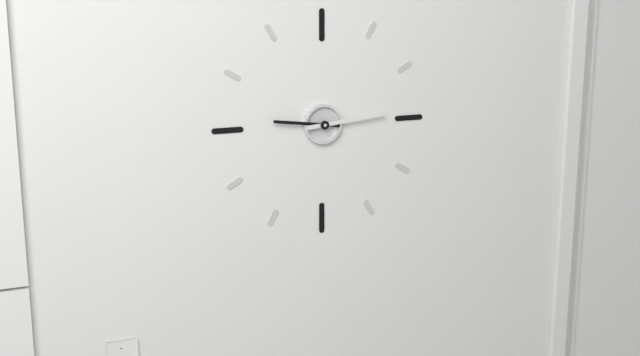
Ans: 9:14
